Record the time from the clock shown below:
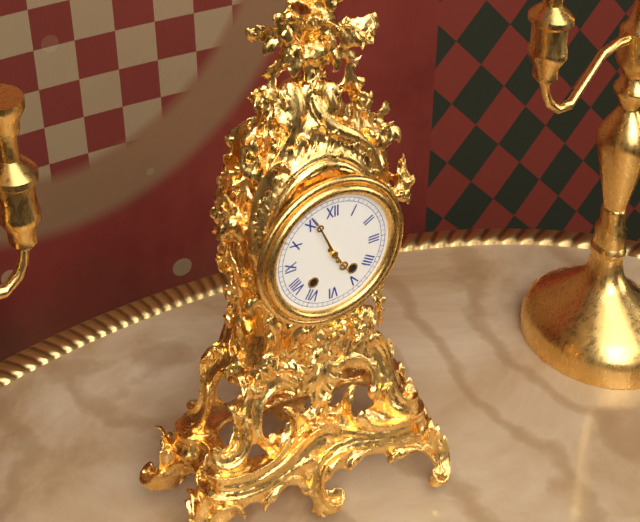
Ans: 4:56
